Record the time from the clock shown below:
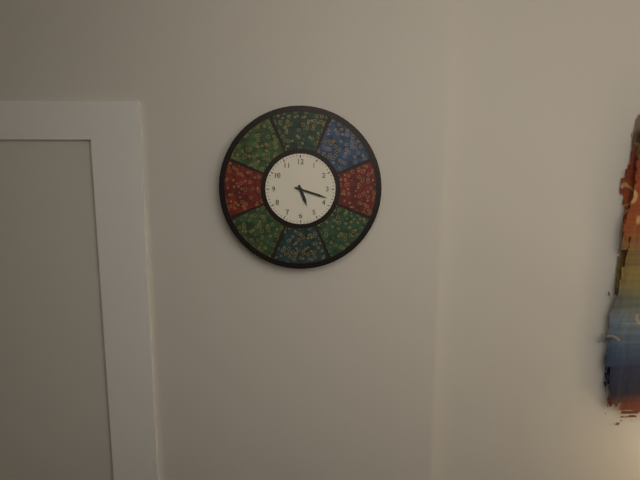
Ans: 5:18
